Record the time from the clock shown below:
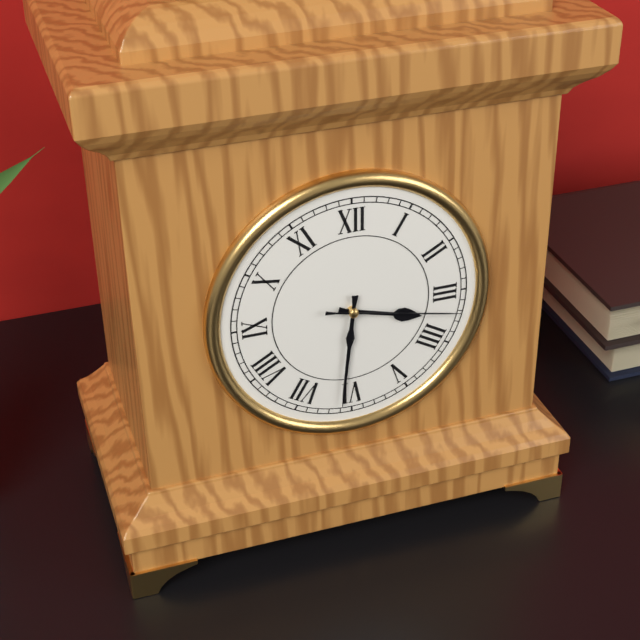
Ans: 3:31:17
